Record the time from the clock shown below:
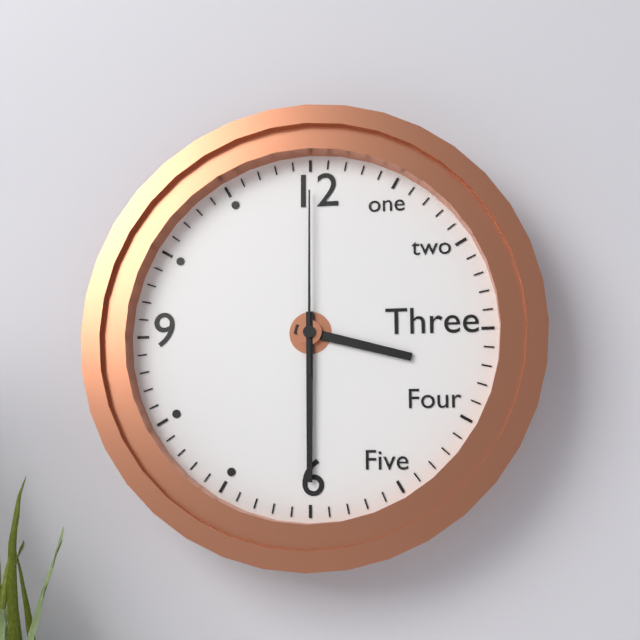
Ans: 3:30:00
